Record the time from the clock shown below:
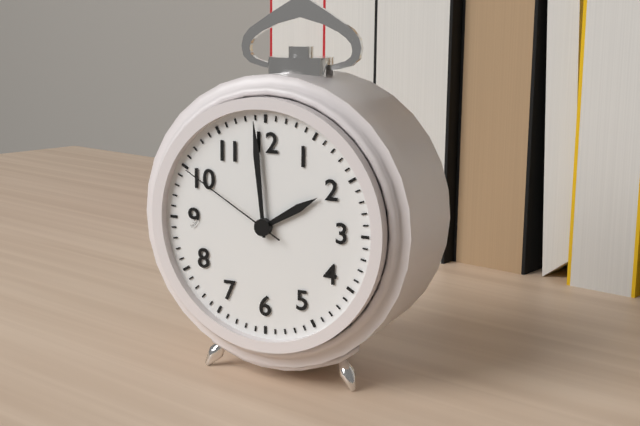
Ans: 1:59:50
